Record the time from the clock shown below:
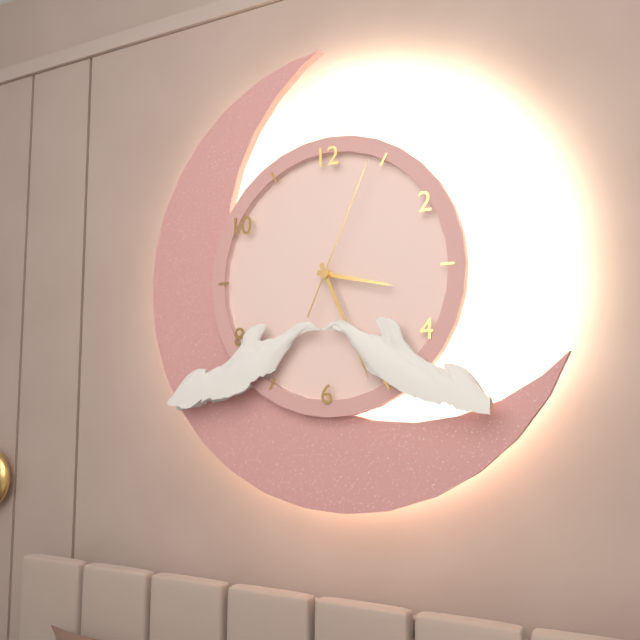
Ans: 3:26:04
